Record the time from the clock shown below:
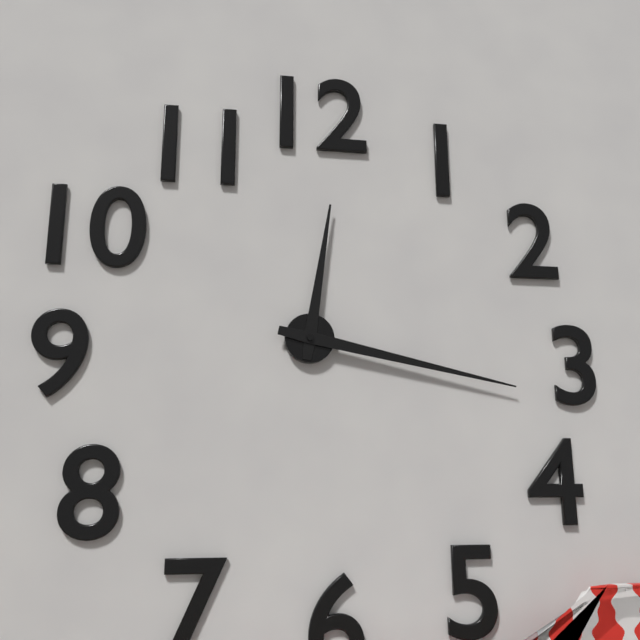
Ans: 12:17
